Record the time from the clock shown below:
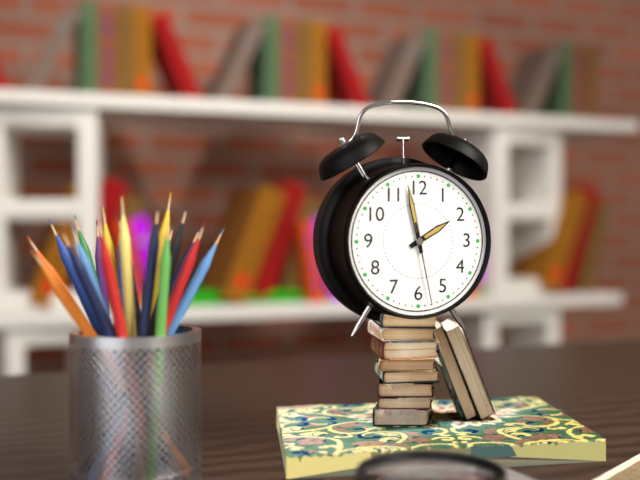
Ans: 1:58:28
